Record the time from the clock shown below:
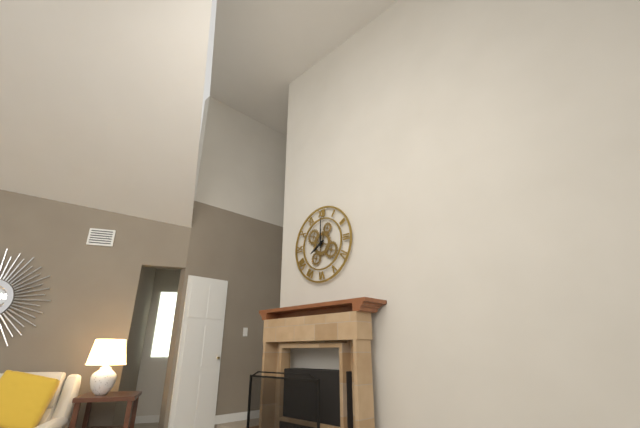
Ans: 8:00
